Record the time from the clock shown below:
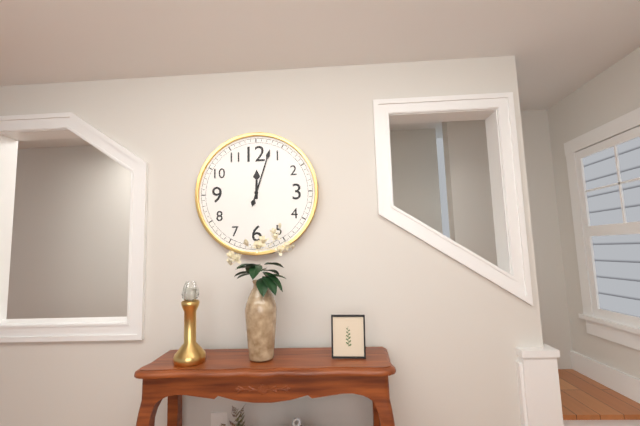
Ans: 12:03
